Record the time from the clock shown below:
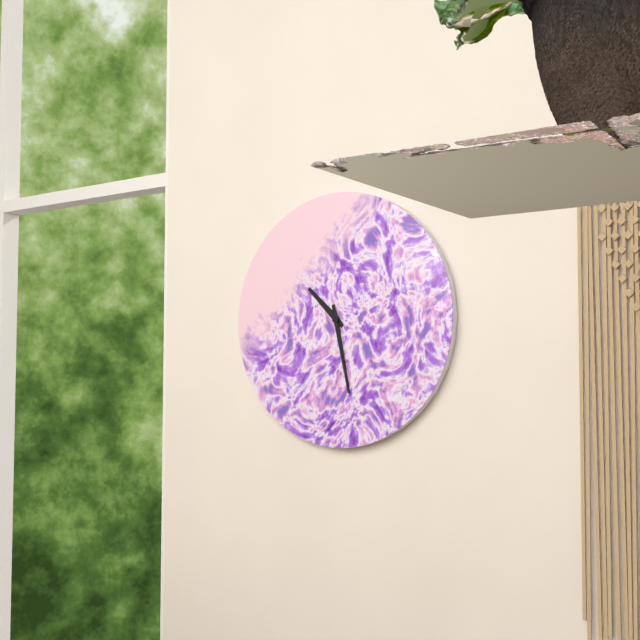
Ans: 10:28
